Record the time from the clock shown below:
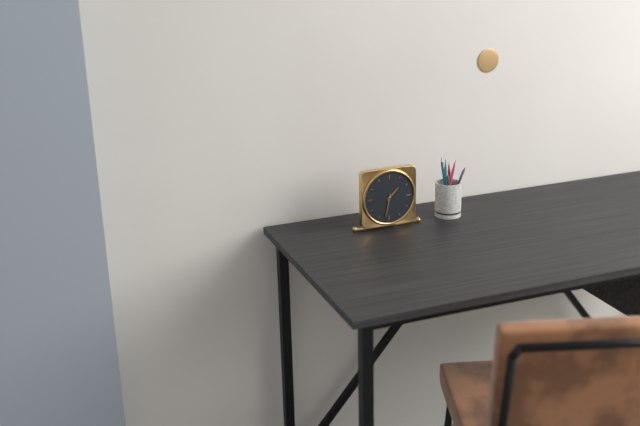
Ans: 1:32
